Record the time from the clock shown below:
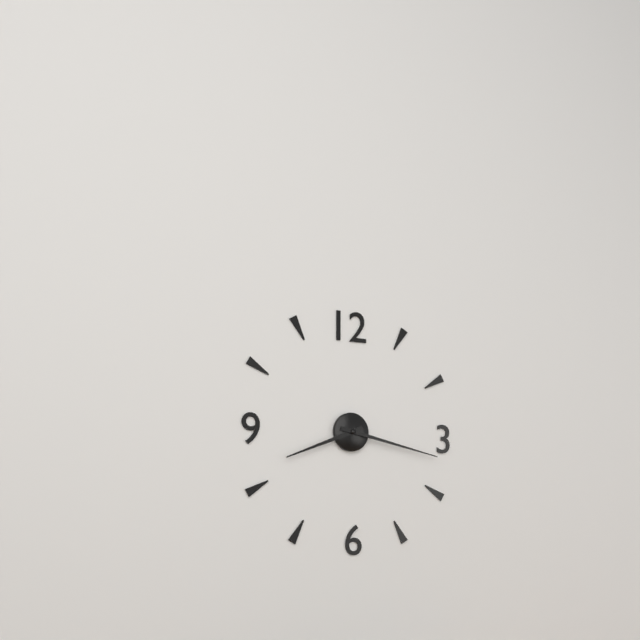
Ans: 8:17
